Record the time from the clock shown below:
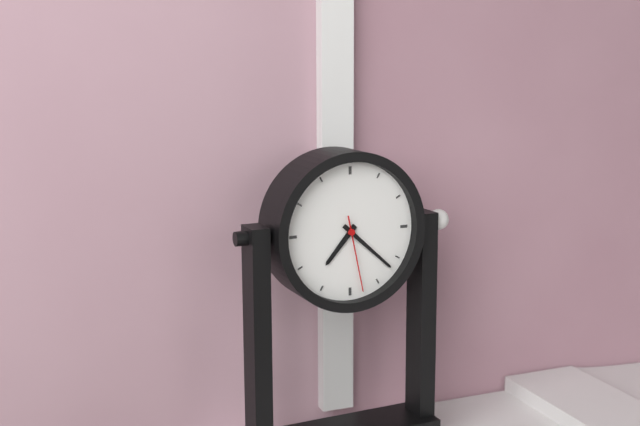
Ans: 7:22:28
